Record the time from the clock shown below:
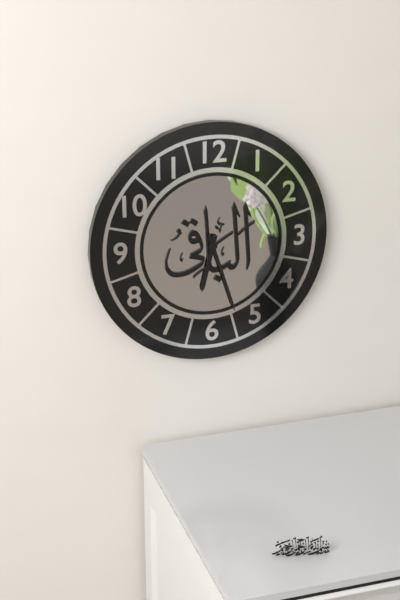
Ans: 6:27
